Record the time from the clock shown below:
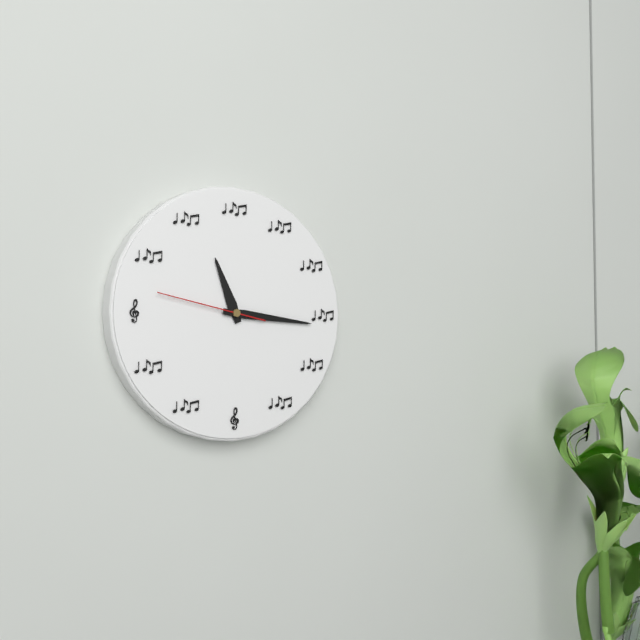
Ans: 11:16:47
